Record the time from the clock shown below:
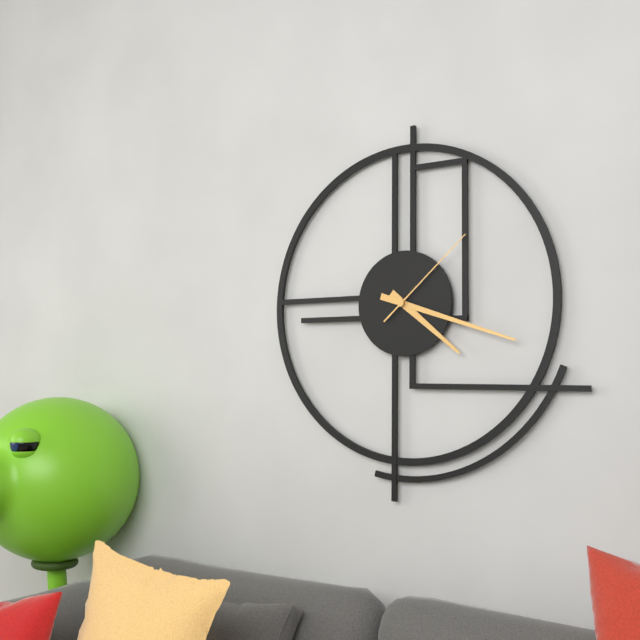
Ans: 4:18:08
